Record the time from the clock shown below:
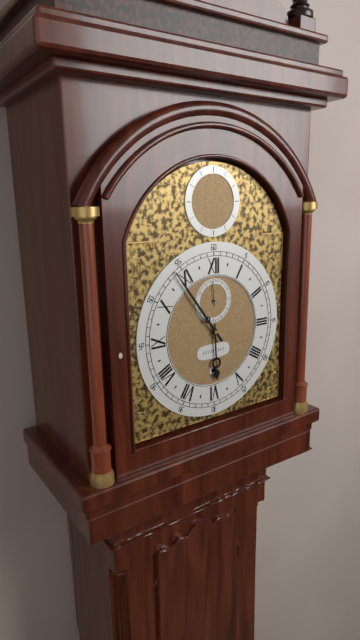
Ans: 5:54
